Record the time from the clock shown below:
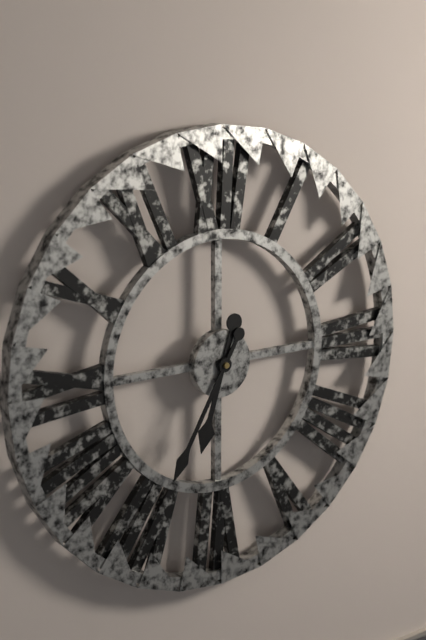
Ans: 6:35
